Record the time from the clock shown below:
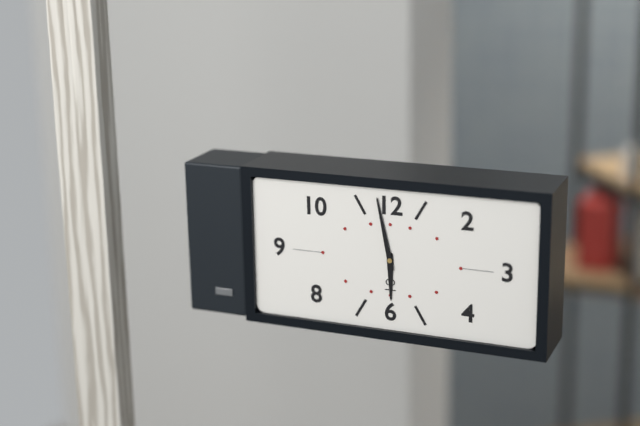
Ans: 5:58
